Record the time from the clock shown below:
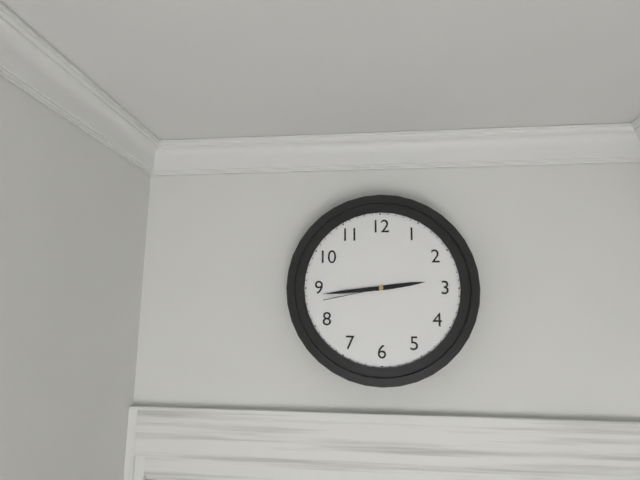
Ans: 2:44:43
